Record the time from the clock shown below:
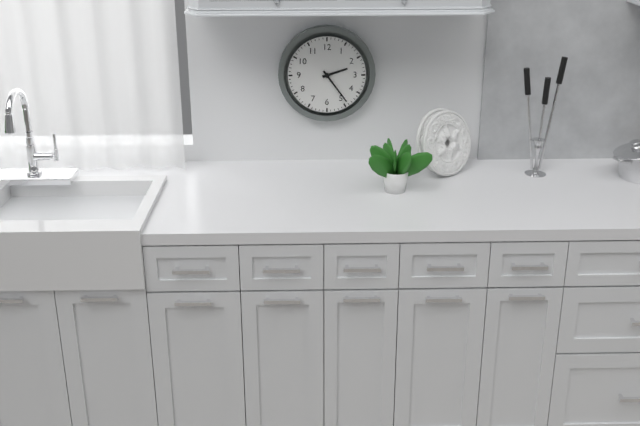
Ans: 2:24
